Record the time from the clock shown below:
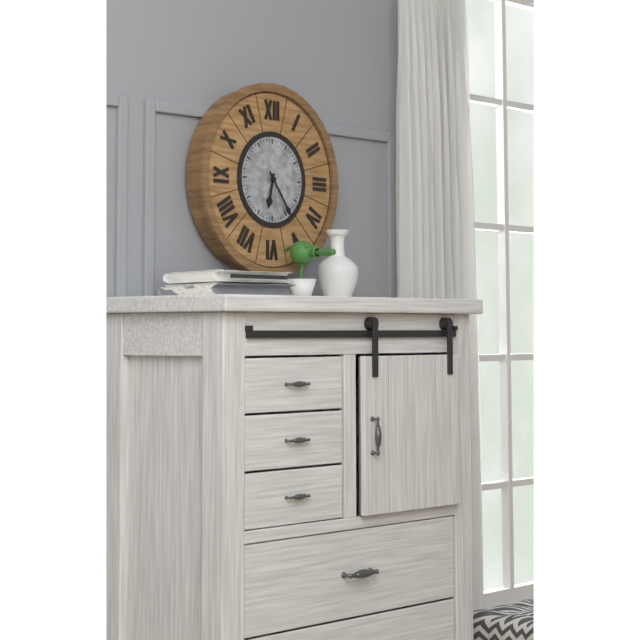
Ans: 6:24
